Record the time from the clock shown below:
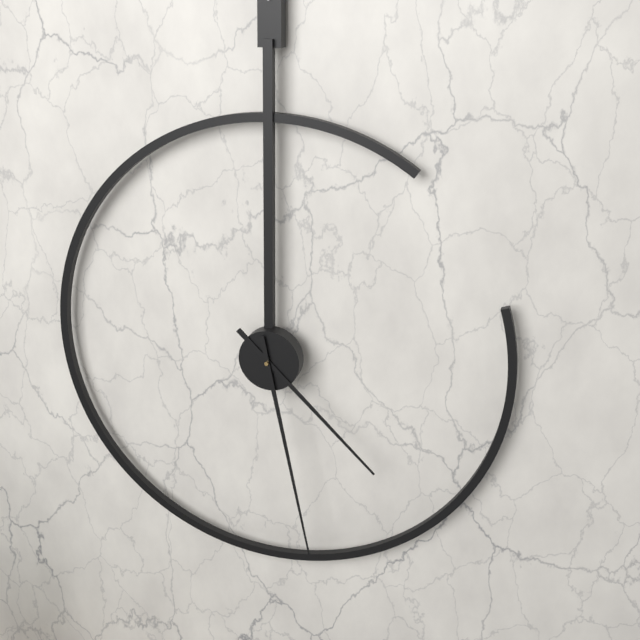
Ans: 4:28
